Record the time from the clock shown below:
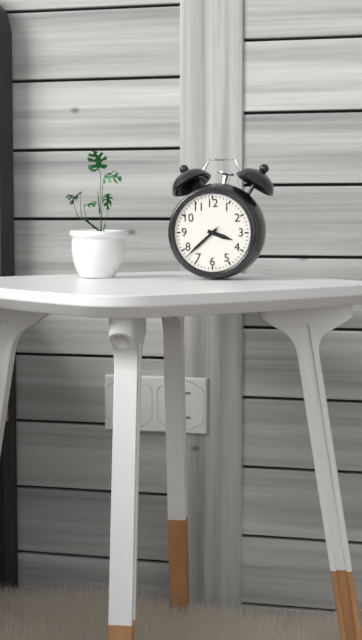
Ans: 3:38
